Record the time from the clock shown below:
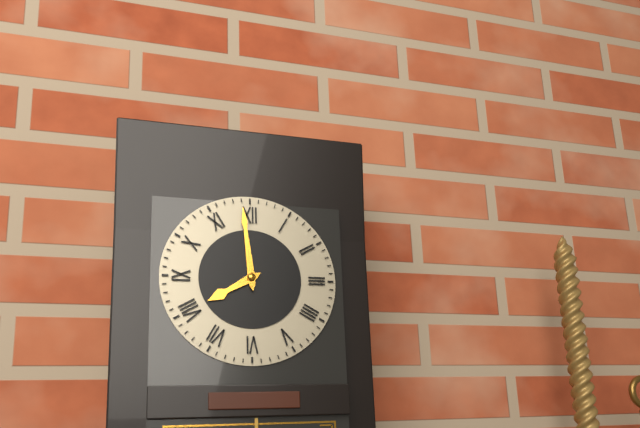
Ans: 7:59
